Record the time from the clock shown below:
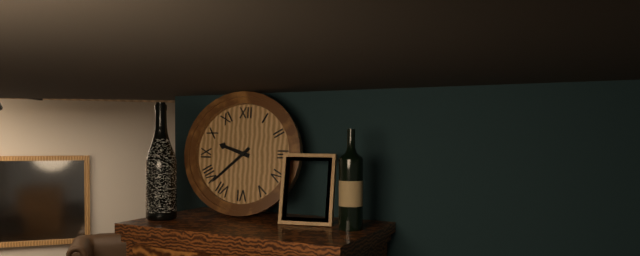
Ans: 9:38
